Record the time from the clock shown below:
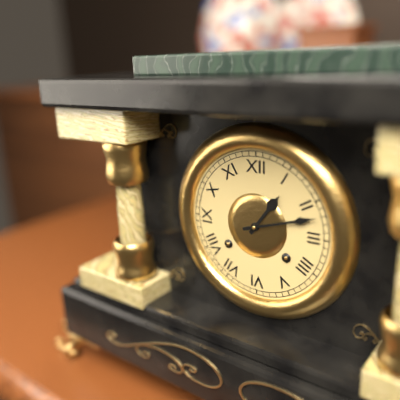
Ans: 1:12
